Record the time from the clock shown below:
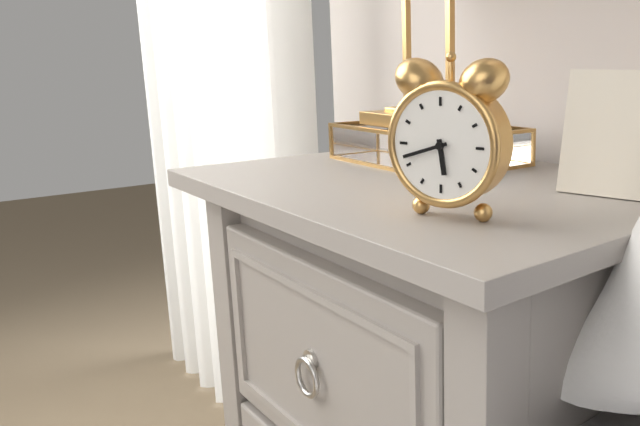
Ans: 5:42
